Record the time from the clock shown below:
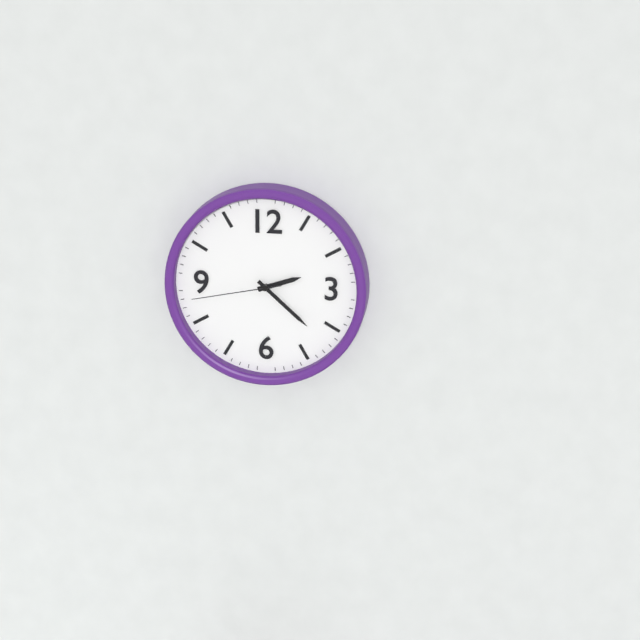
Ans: 2:22:43
